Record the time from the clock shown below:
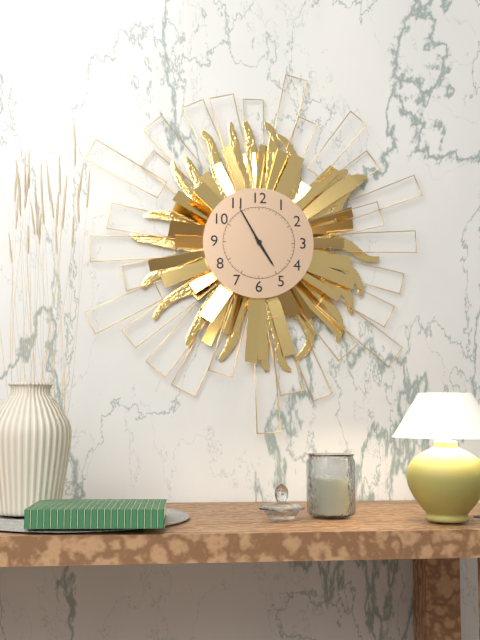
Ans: 4:55
